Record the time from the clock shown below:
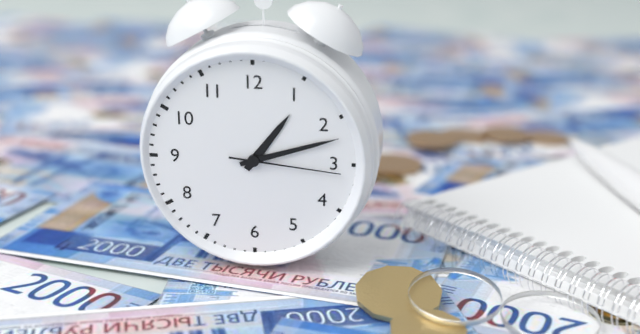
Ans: 1:12:16
